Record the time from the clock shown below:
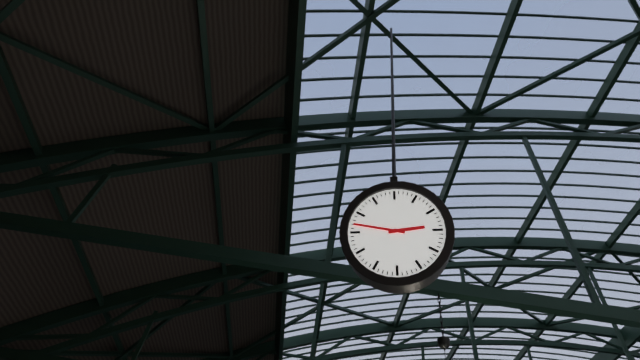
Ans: 2:47
